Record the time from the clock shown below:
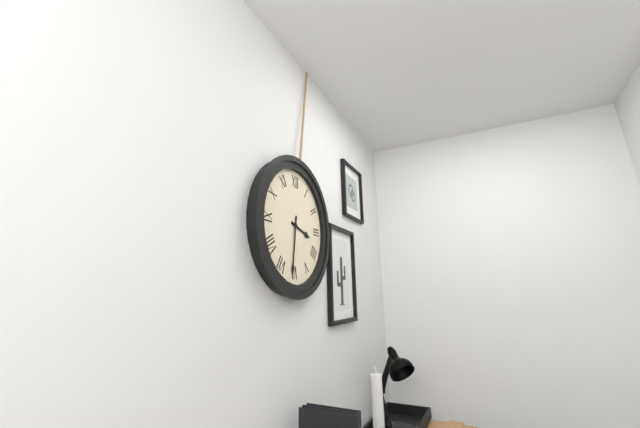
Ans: 3:31
